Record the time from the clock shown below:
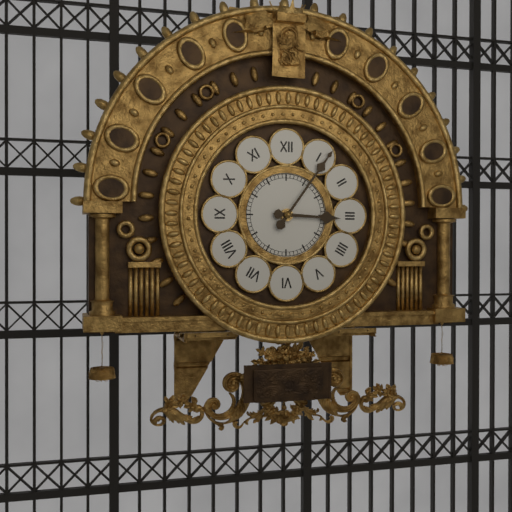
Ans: 3:06
